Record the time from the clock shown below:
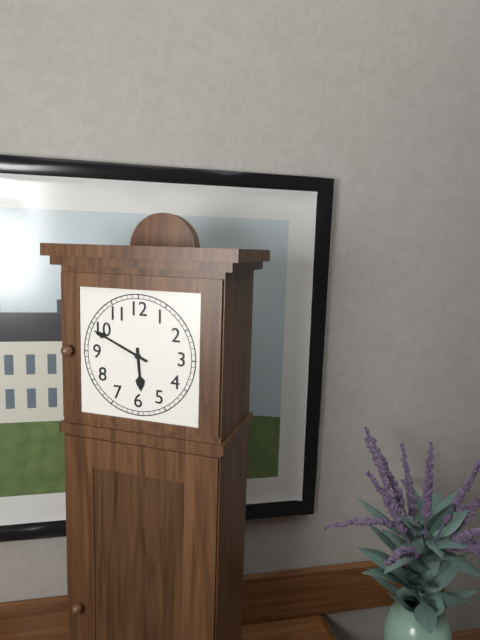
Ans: 5:49
